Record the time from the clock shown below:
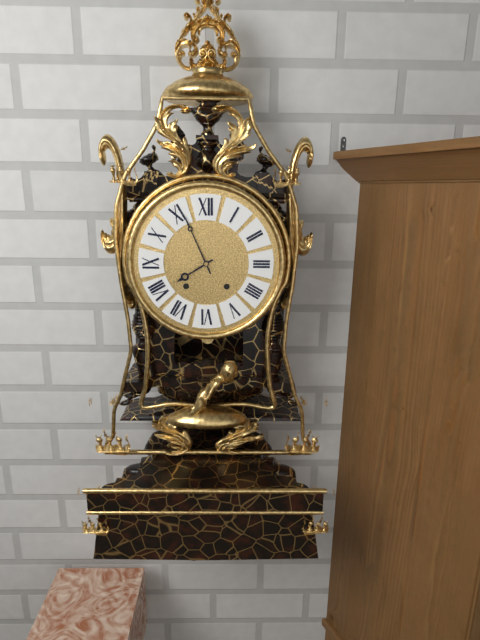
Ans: 7:56
